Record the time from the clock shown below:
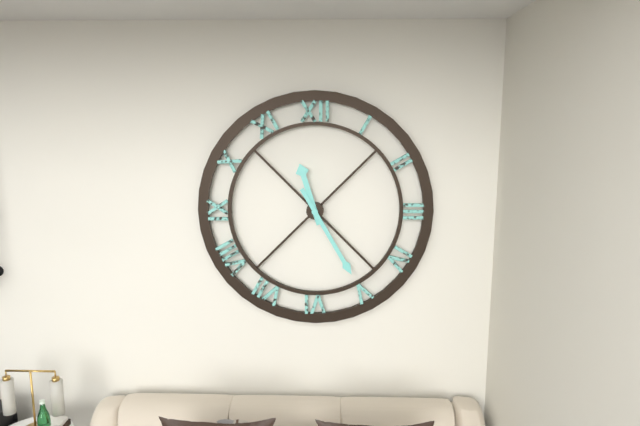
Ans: 11:25
